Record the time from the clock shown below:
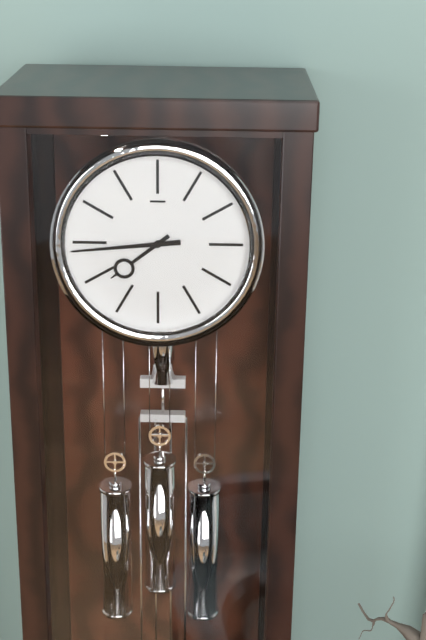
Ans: 7:44
